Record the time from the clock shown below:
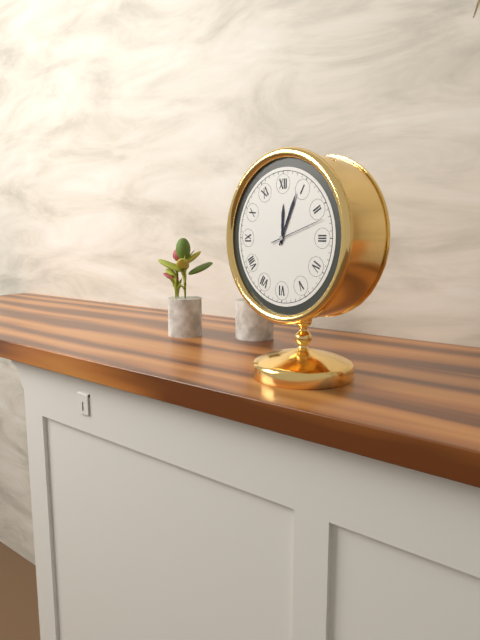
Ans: 12:04:12
